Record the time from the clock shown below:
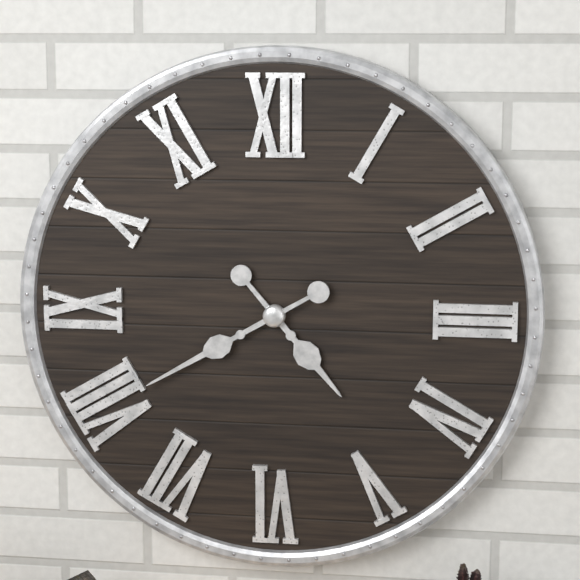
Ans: 4:40
